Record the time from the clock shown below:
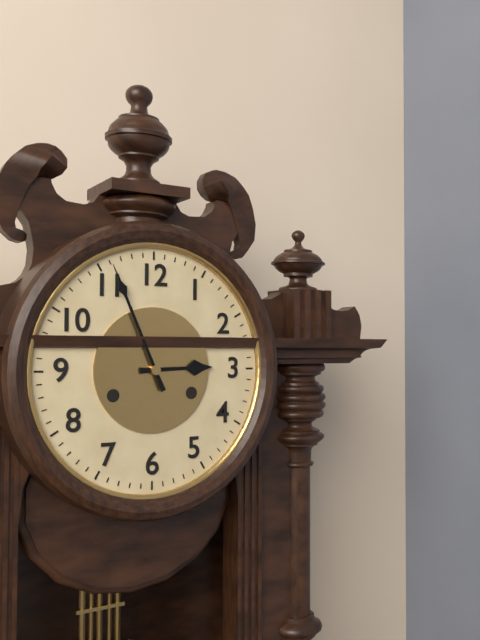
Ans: 2:56
